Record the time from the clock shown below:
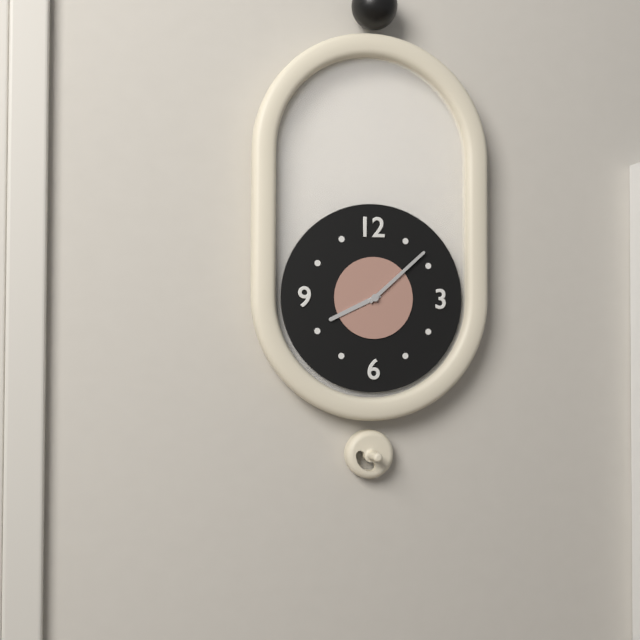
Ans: 8:08
